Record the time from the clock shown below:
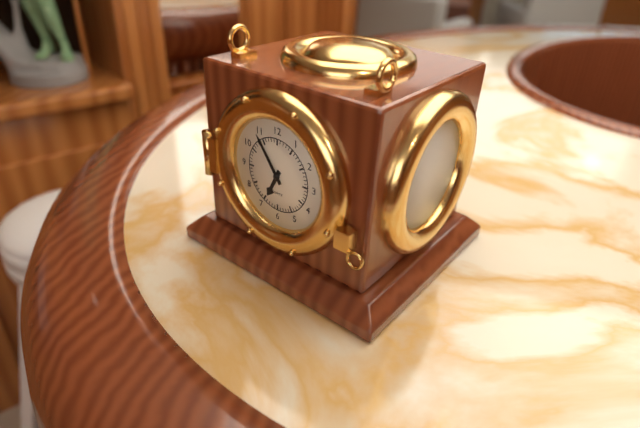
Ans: 6:54
